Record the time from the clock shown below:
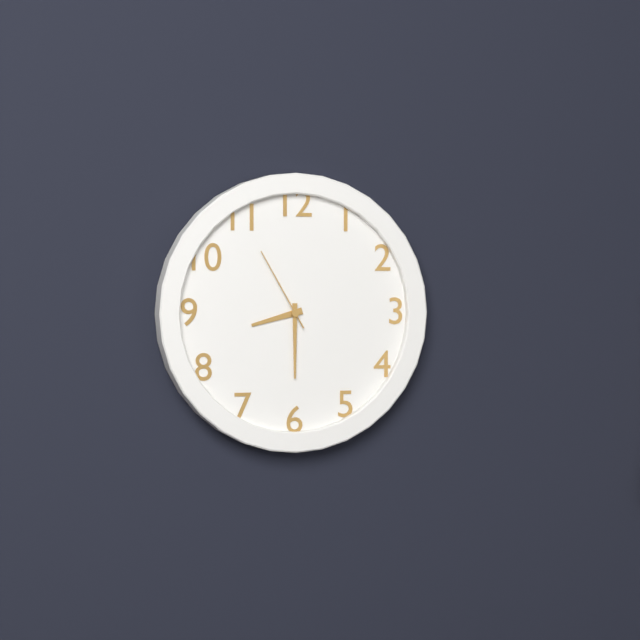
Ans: 8:30:55
